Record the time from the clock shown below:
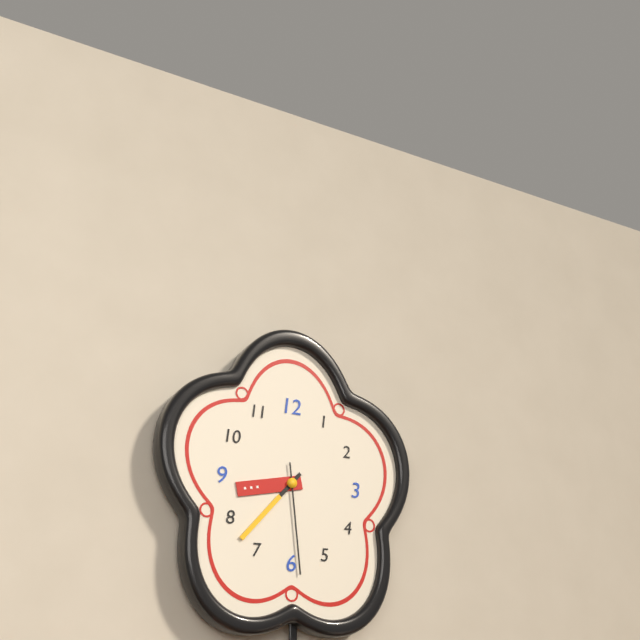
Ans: 8:37:29
